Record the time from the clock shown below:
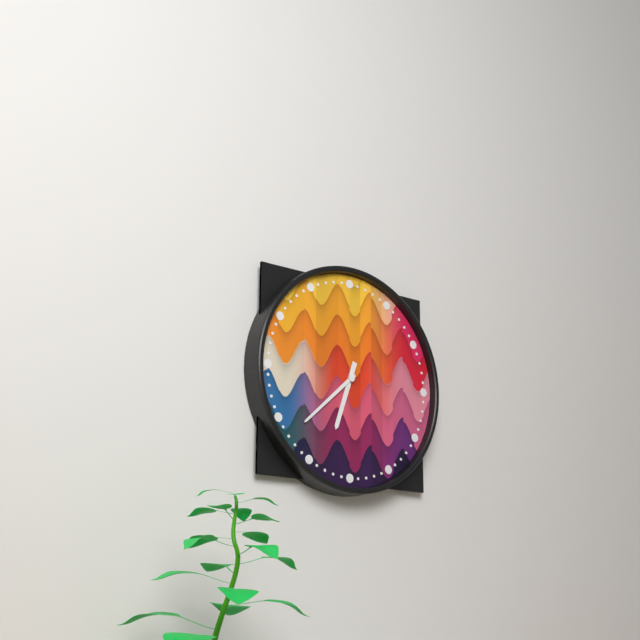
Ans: 6:38
